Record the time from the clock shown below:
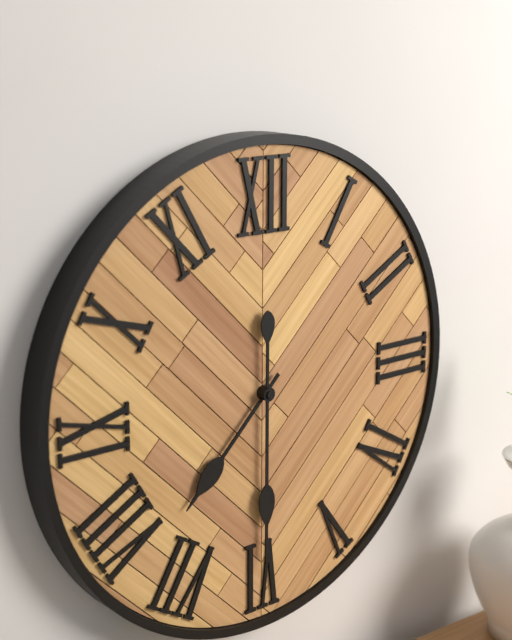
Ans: 7:30
